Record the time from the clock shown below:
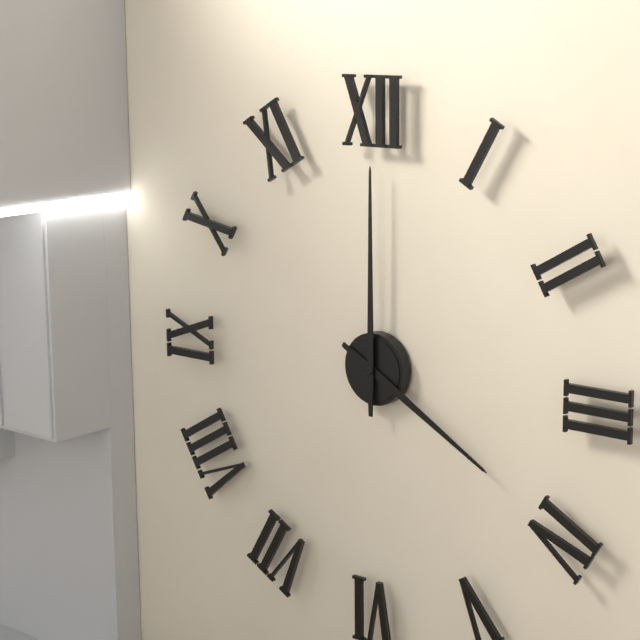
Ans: 4:00
